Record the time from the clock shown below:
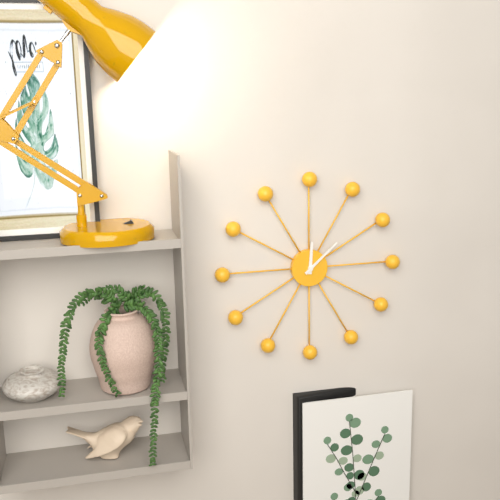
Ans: 12:08
